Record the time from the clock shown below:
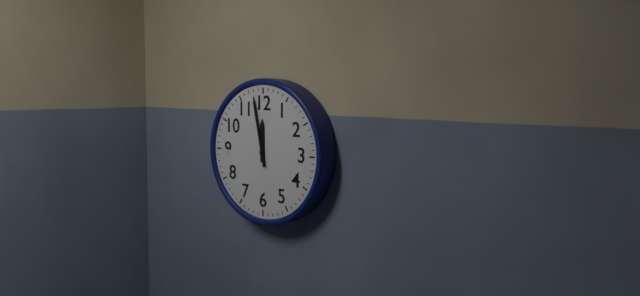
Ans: 11:58
